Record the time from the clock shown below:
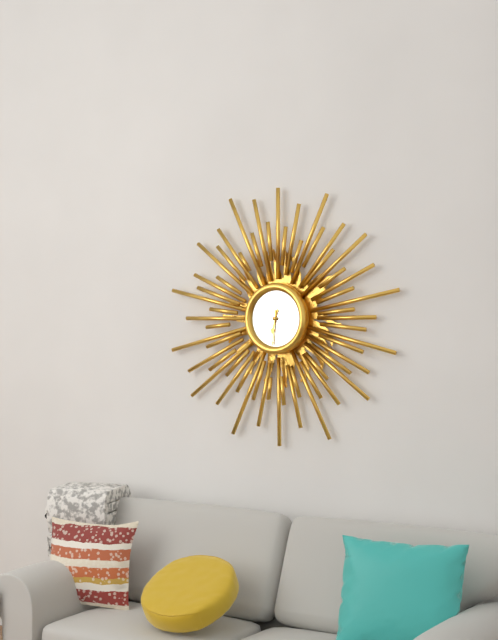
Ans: 6:31
